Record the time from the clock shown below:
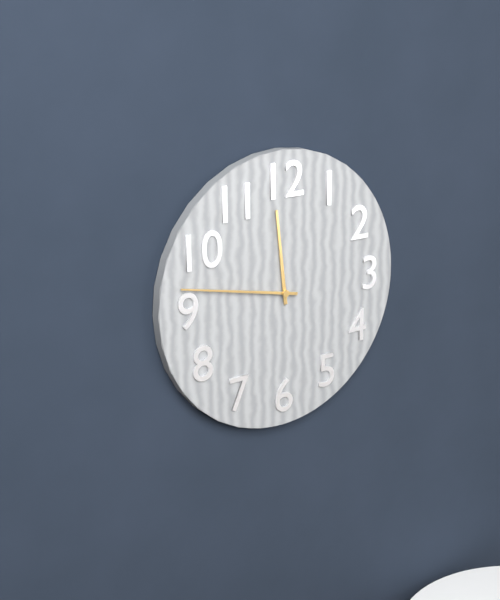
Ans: 11:47
